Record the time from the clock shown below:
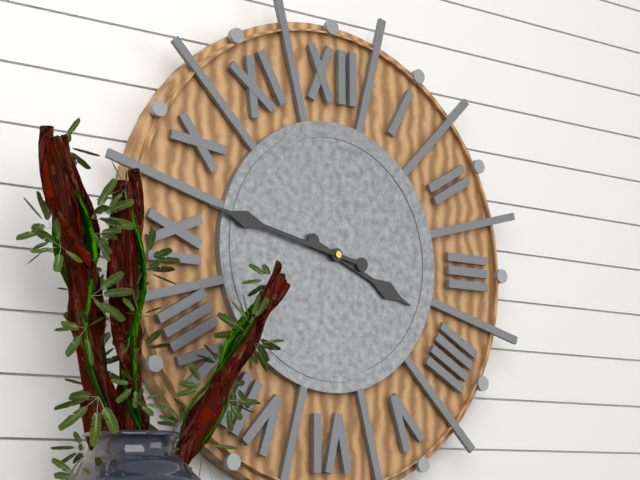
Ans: 3:47
